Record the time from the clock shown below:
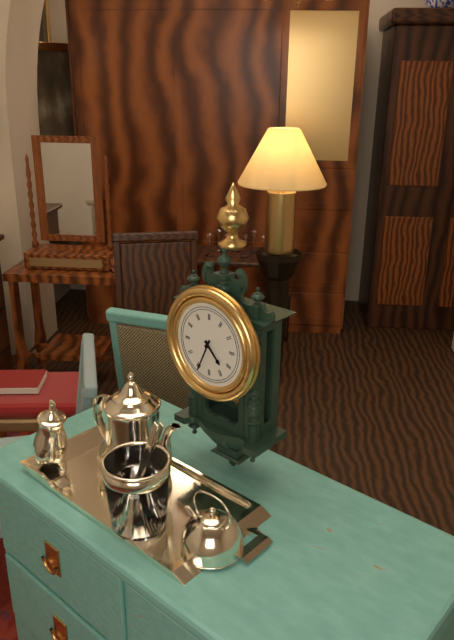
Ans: 4:34
